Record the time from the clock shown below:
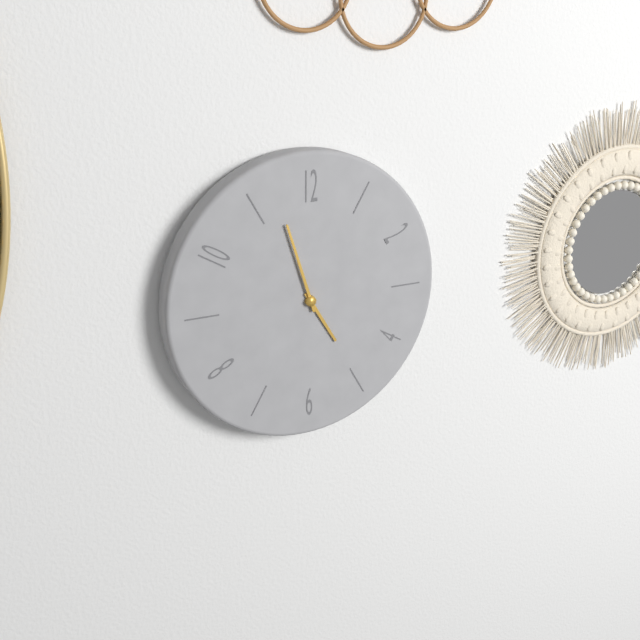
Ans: 4:57
